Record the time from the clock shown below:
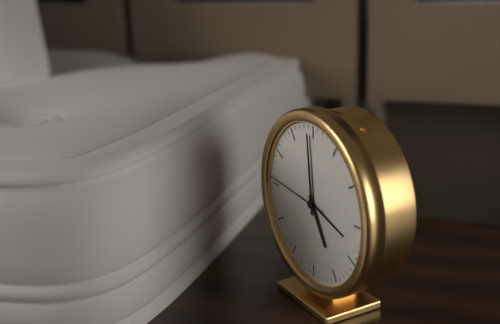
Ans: 4:59:46
